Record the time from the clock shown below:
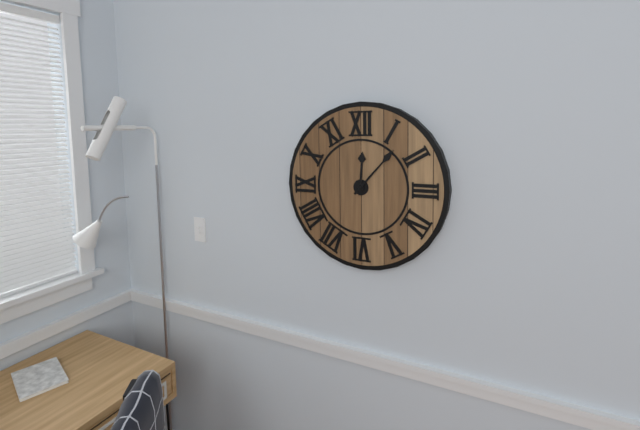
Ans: 12:07
